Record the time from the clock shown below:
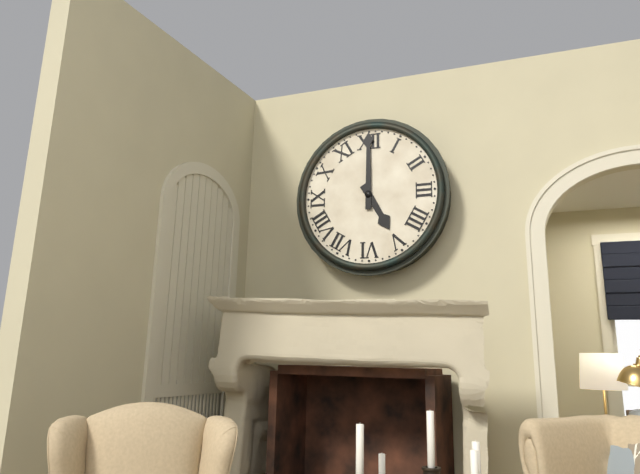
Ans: 5:00
